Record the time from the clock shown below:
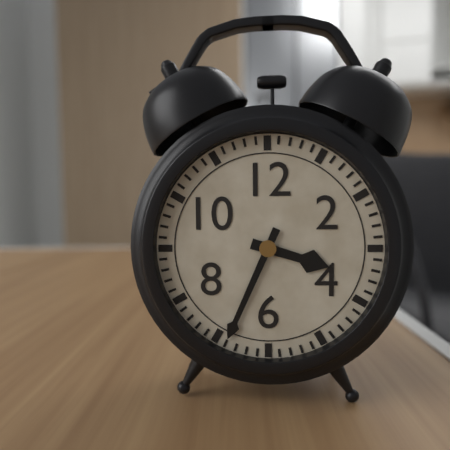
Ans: 3:34
